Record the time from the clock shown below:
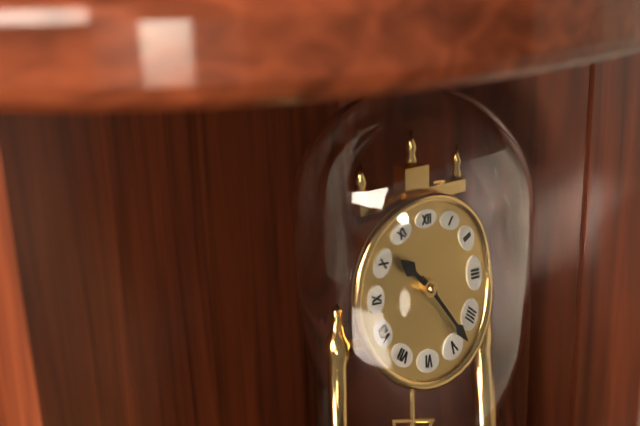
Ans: 10:23
